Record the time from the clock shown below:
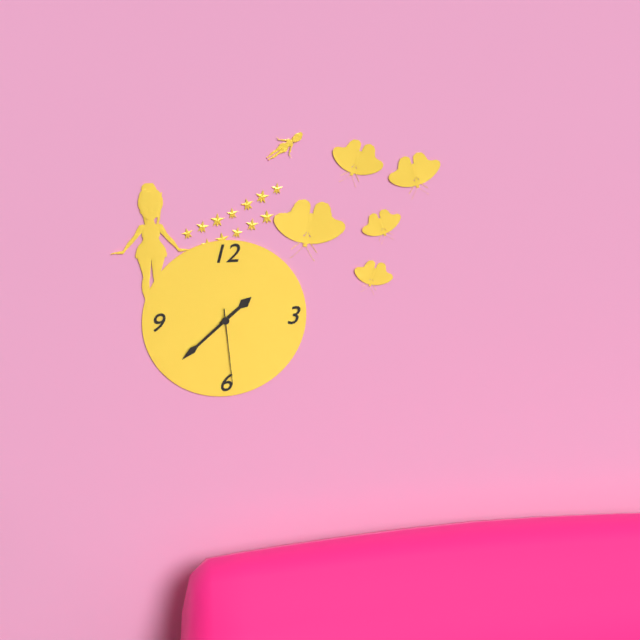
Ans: 1:38:29
